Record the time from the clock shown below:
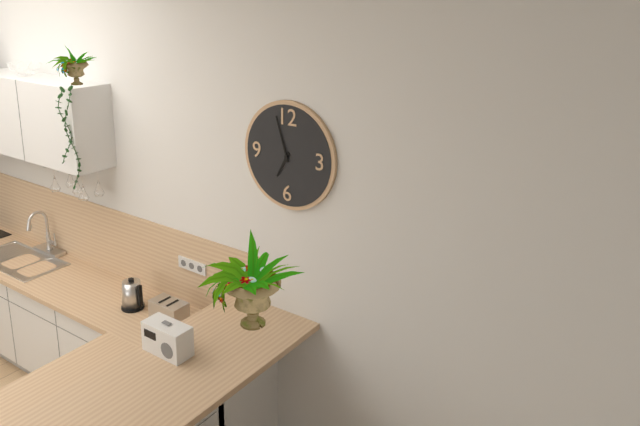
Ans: 6:57
